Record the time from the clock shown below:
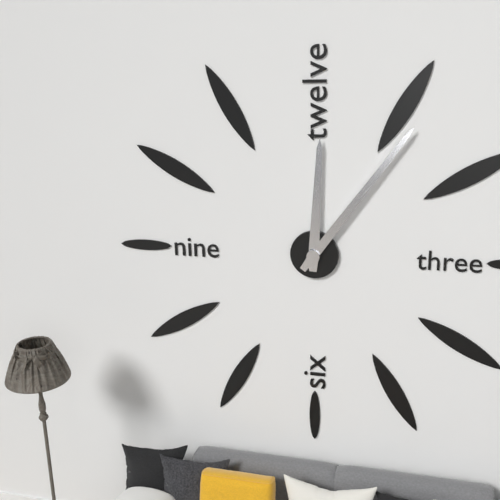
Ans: 12:06
